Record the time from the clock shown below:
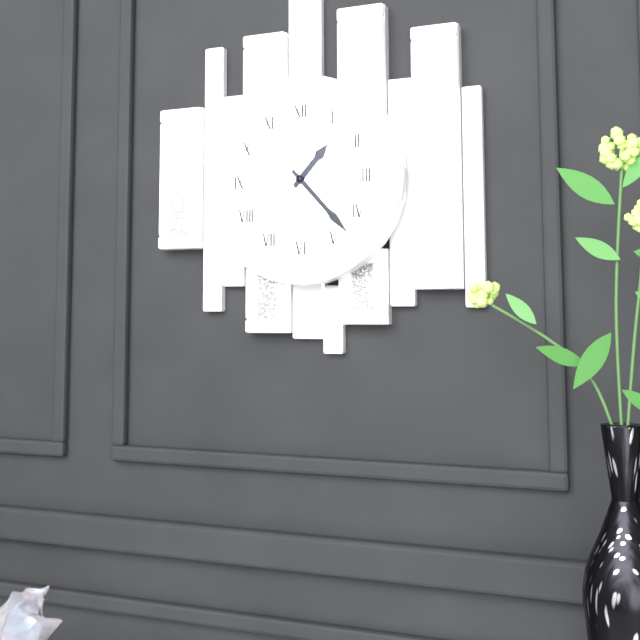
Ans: 1:23
